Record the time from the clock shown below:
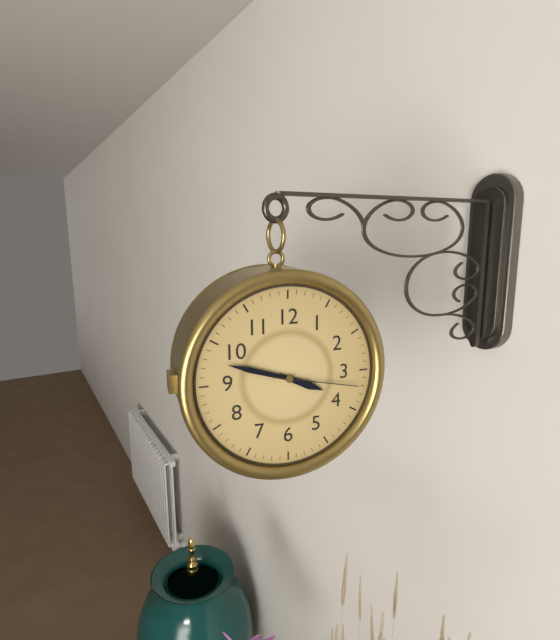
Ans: 3:48:17
